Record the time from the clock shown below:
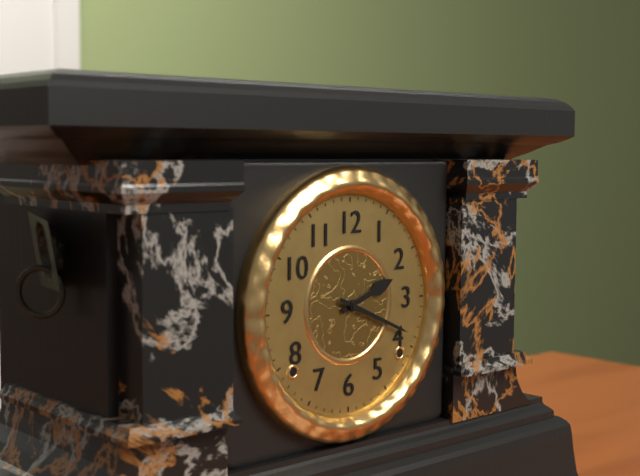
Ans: 2:19
